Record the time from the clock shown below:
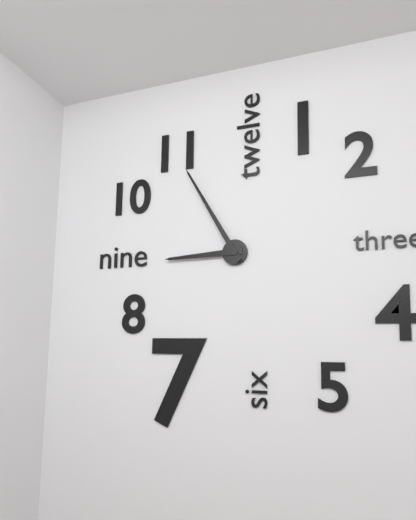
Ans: 8:55
